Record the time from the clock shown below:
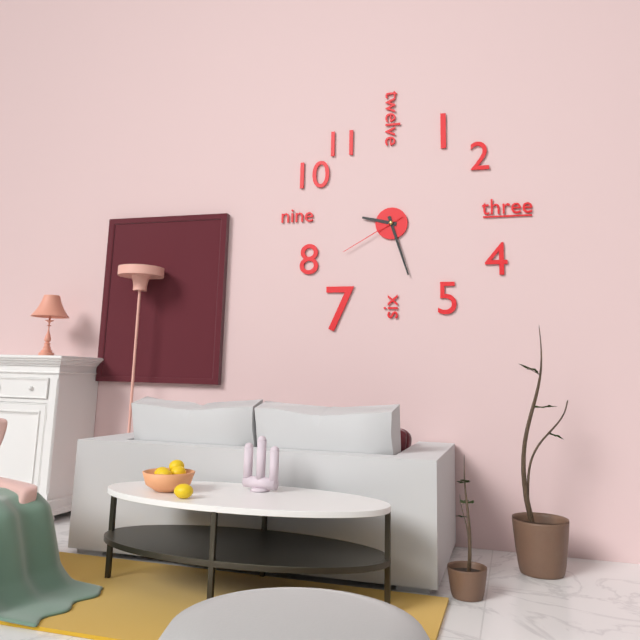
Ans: 9:27:40
